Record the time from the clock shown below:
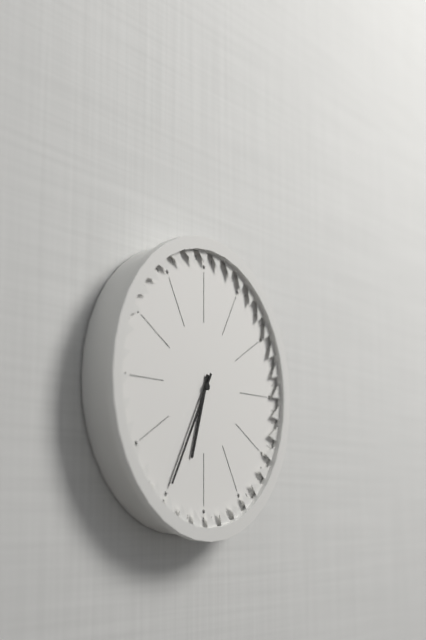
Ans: 6:35
